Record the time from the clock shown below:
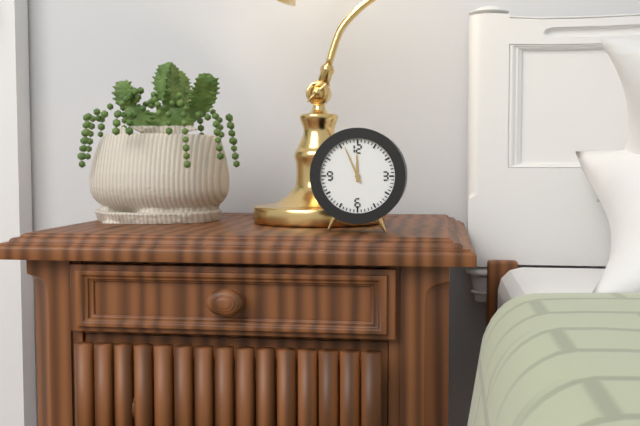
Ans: 11:56
